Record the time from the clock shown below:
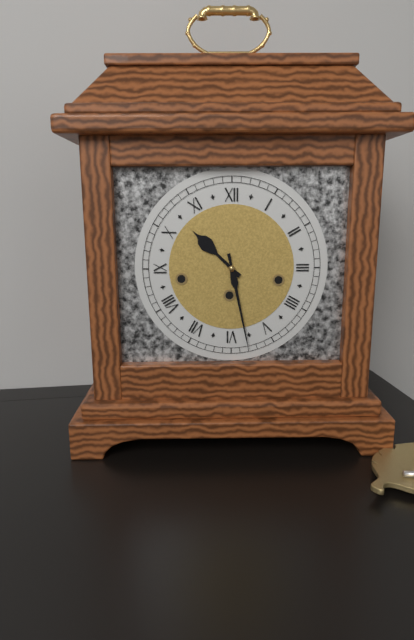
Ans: 10:28
